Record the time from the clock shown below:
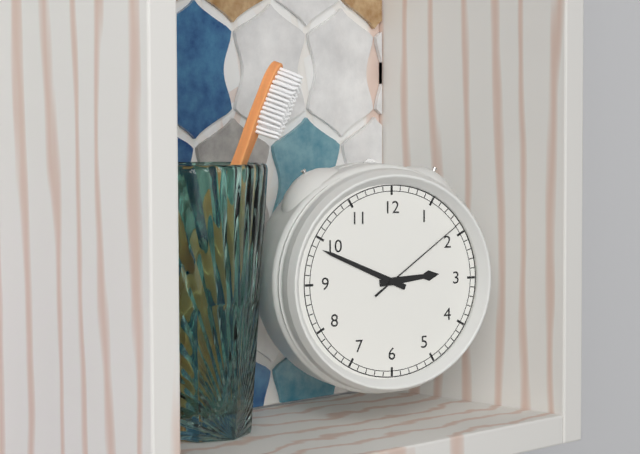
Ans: 2:49:09
